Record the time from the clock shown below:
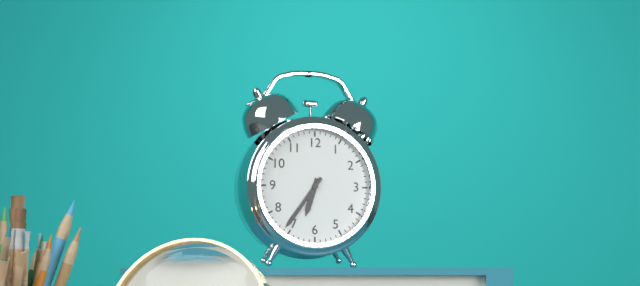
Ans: 6:36
